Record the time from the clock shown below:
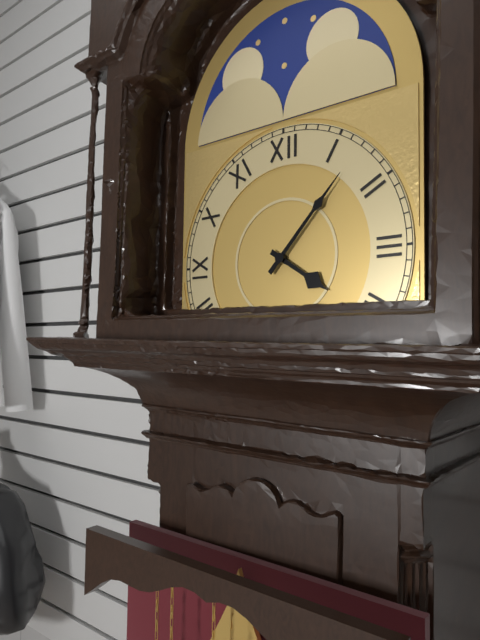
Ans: 4:07
